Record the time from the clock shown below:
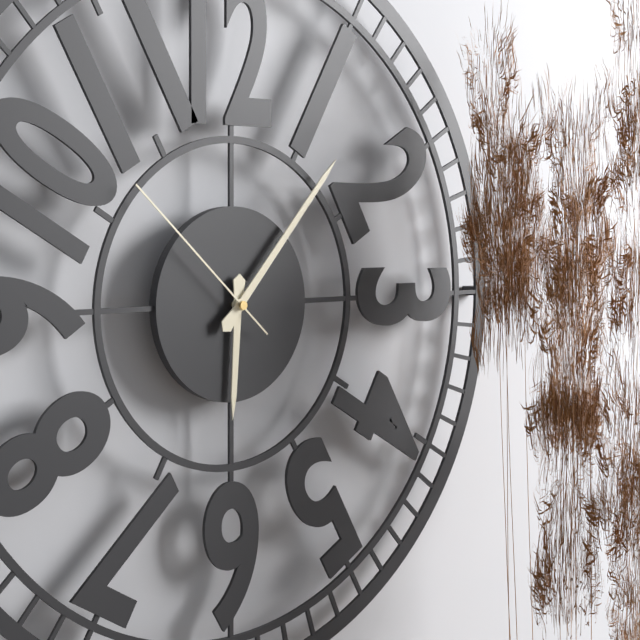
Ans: 6:07:52
